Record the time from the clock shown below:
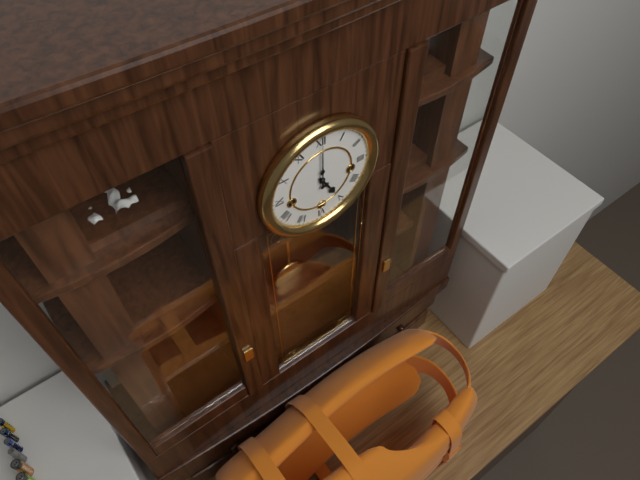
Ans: 5:00
